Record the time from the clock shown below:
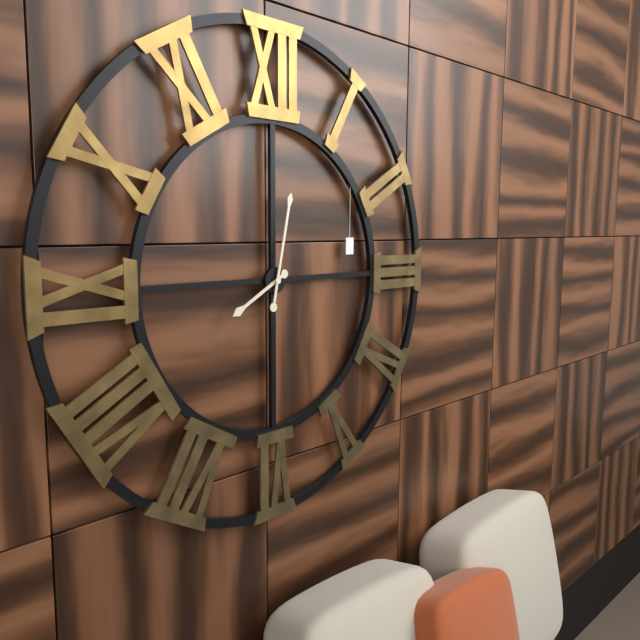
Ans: 8:02
